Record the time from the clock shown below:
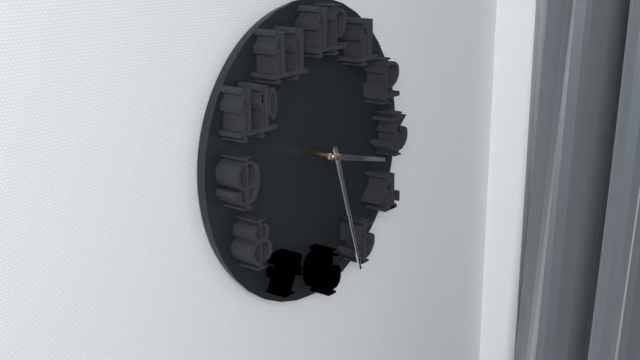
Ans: 3:27
